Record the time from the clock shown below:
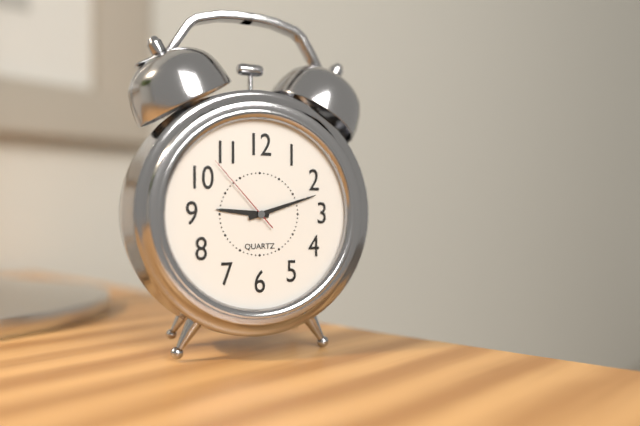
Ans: 9:12:53
